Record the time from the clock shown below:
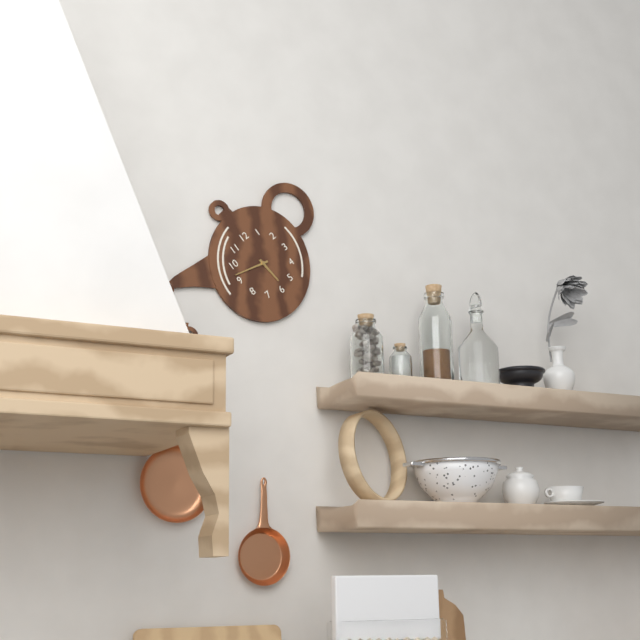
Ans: 5:47
